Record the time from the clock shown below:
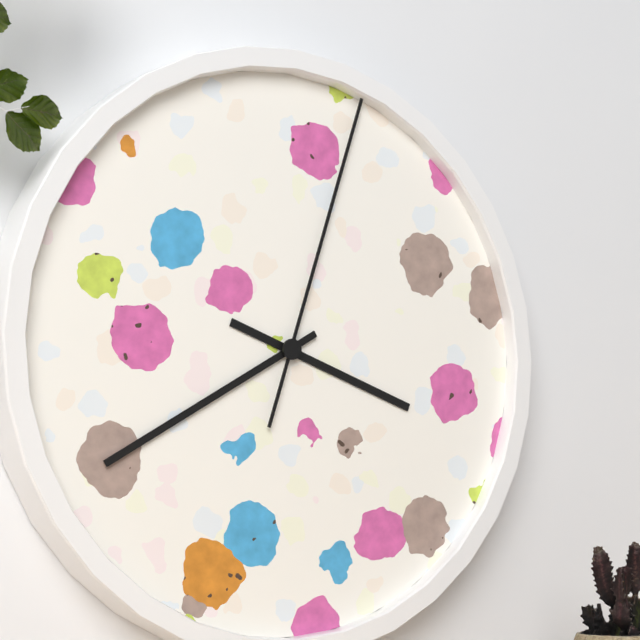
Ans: 3:40:03
